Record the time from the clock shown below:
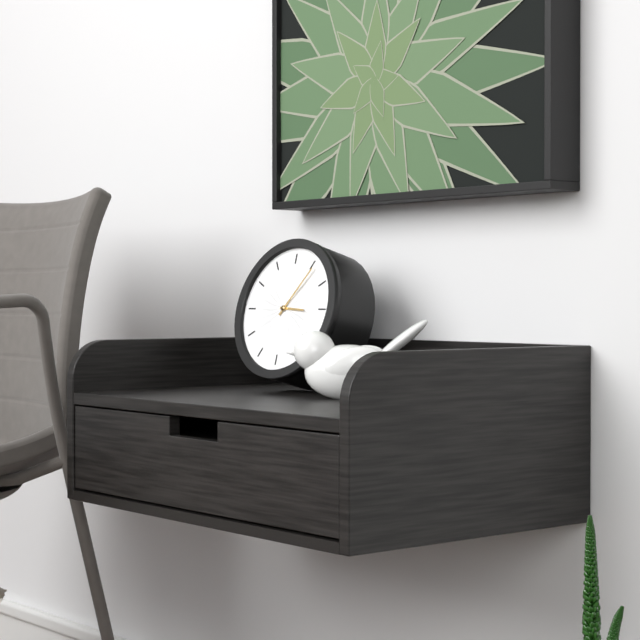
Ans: 3:06
